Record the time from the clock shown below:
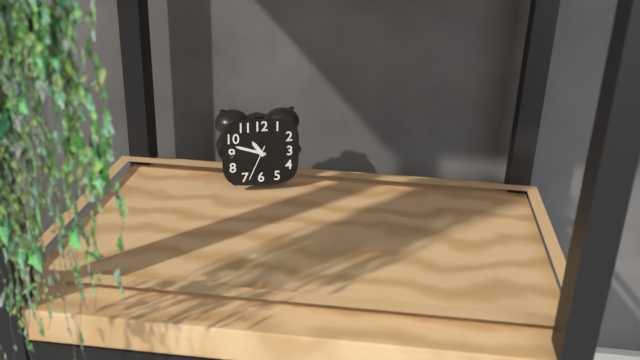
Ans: 10:48
